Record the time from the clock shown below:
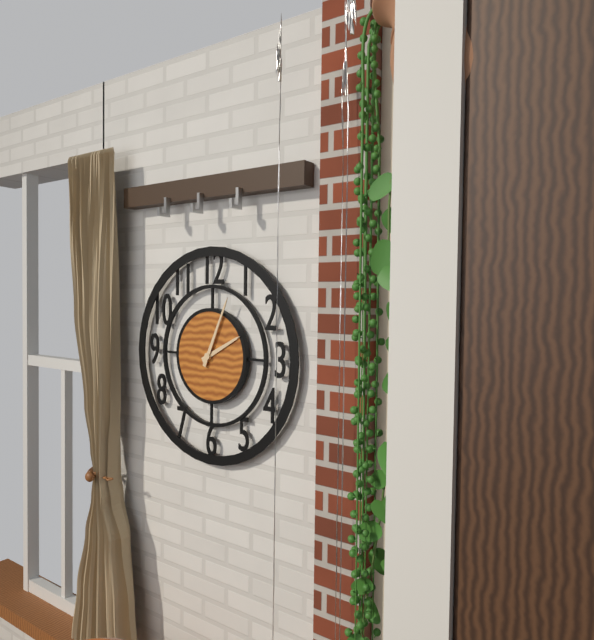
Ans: 2:04
